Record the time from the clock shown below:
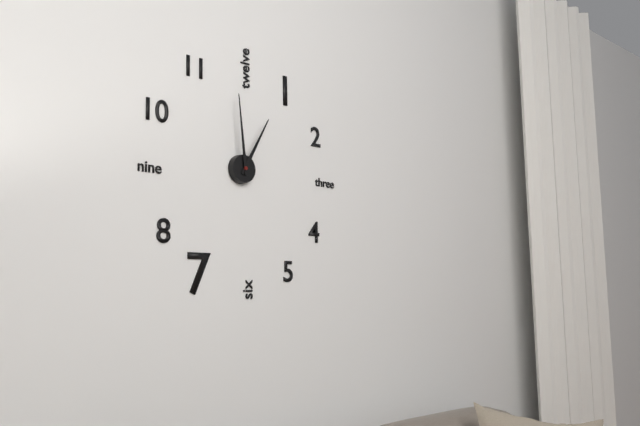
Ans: 12:59
